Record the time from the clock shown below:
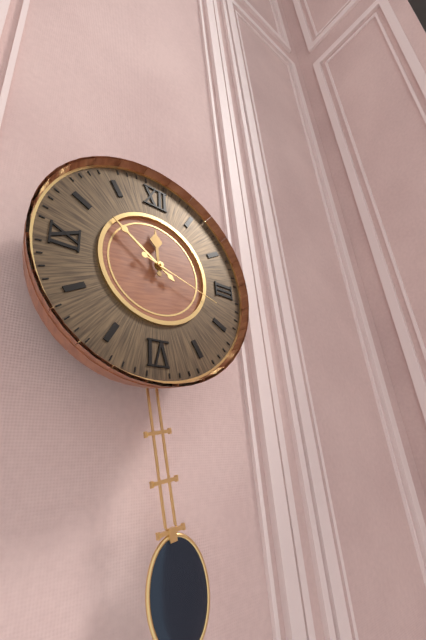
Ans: 11:51:18
